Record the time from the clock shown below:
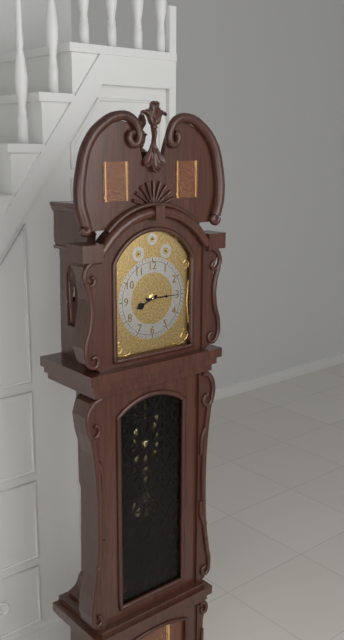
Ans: 8:15
